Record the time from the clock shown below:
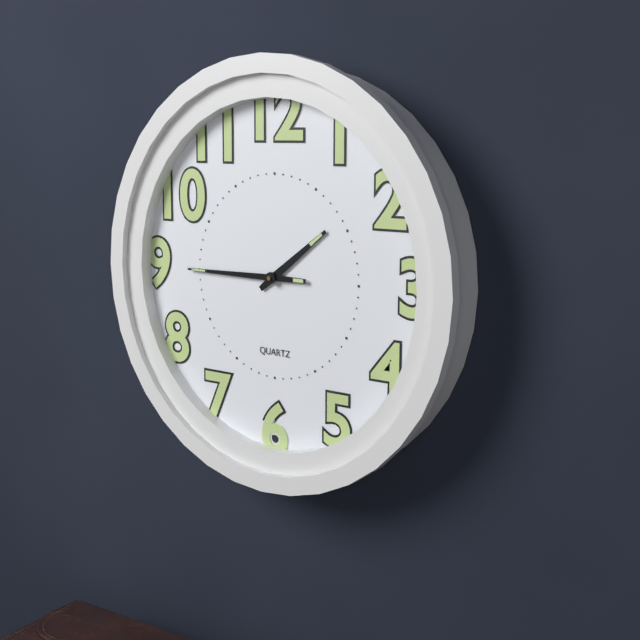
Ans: 1:45
